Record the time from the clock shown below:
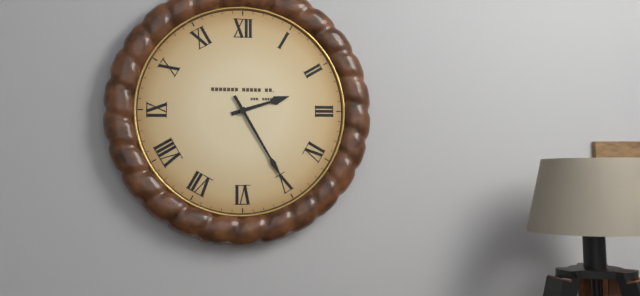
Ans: 2:25
